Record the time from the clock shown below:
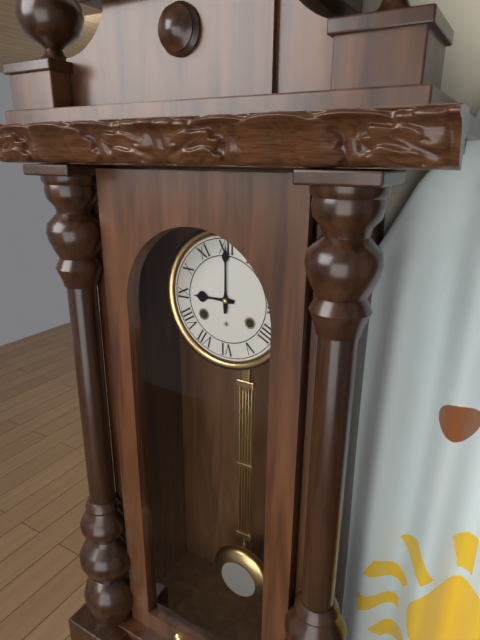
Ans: 9:00
